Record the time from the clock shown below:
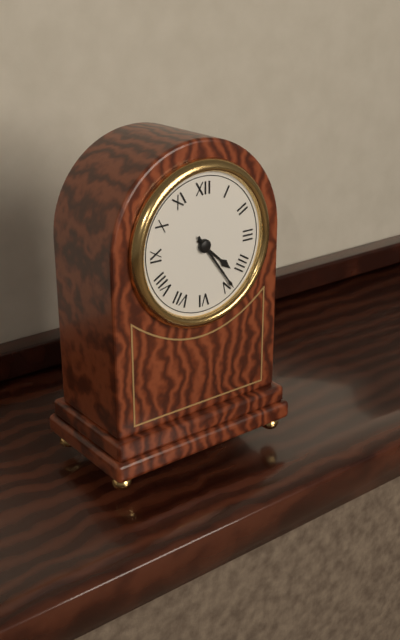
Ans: 4:24
